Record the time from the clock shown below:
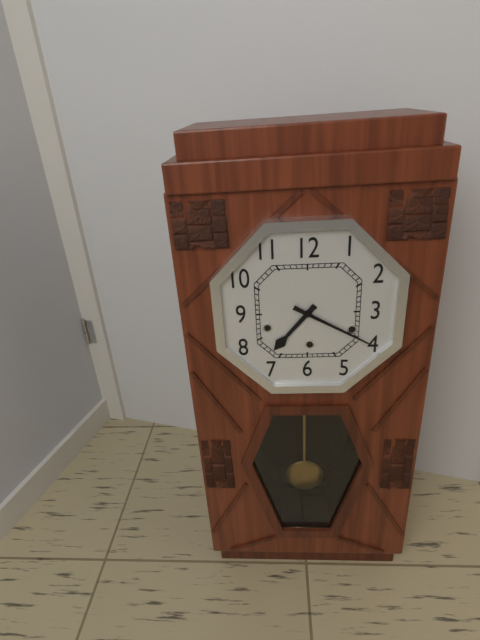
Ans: 7:20
